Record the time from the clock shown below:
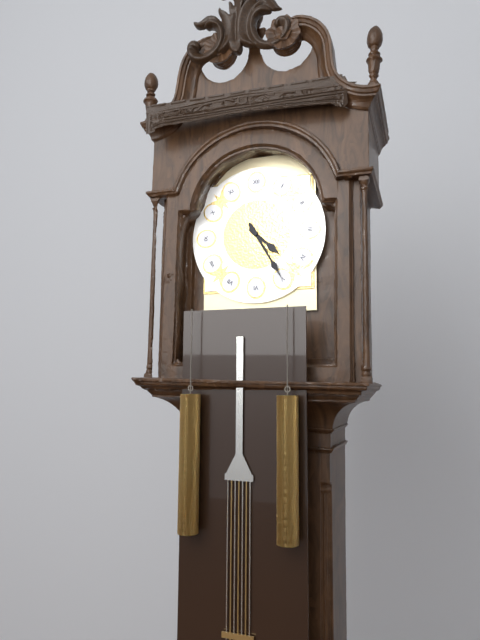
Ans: 4:25
